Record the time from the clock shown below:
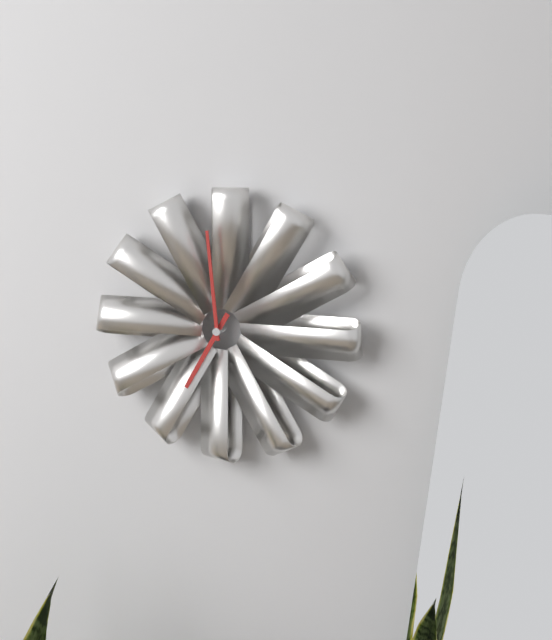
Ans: 6:59
